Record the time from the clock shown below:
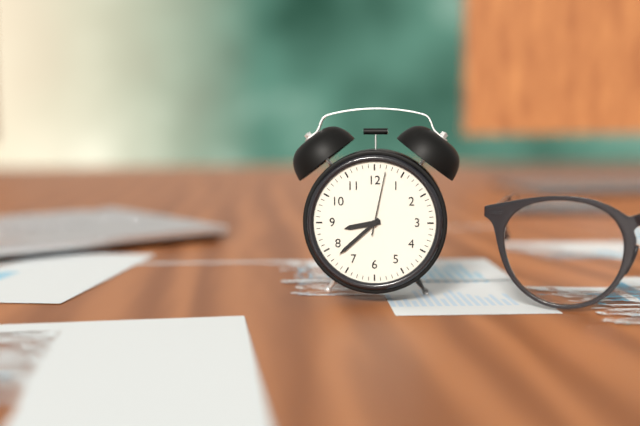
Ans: 8:38:02
